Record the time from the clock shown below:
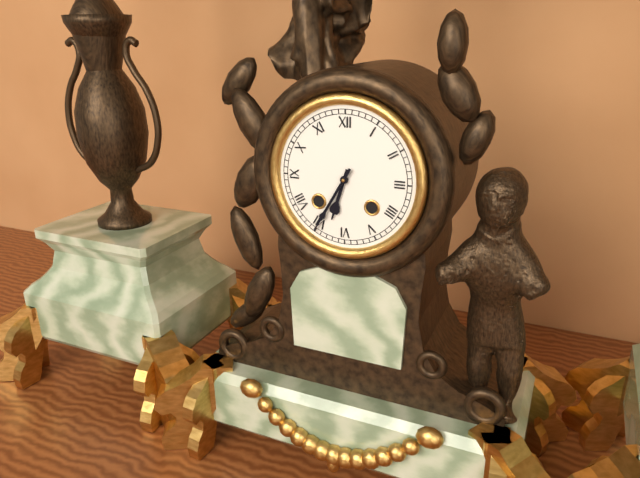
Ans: 6:35
